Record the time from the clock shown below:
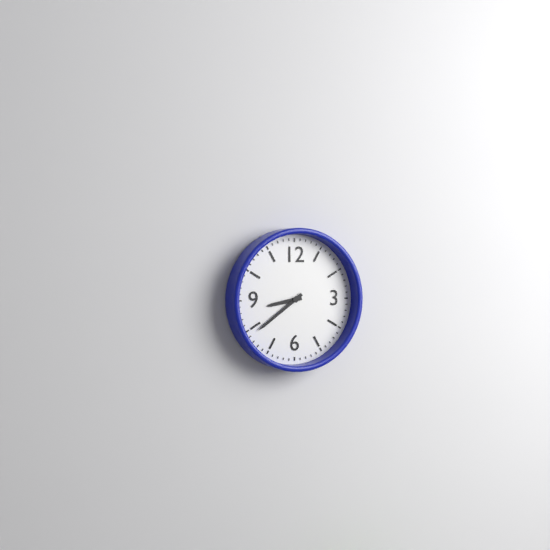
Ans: 8:39
